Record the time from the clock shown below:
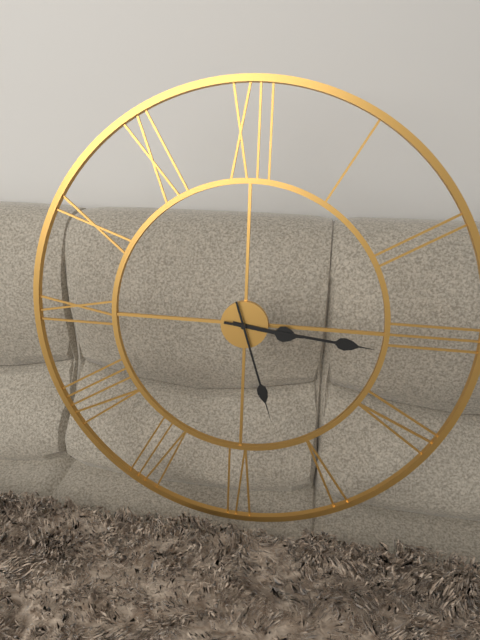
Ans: 3:16:27
